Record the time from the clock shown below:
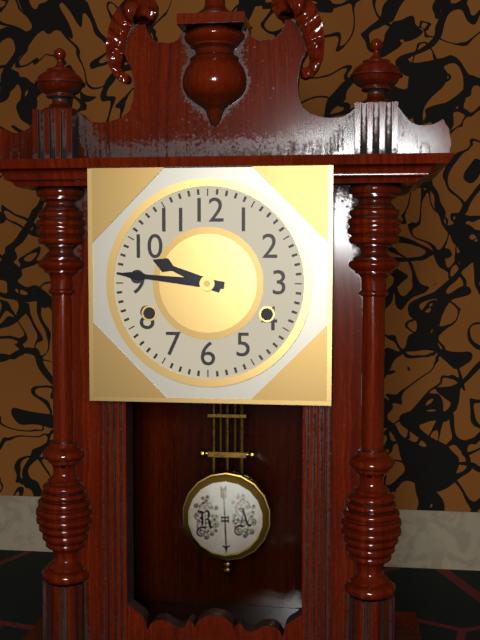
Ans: 9:46
